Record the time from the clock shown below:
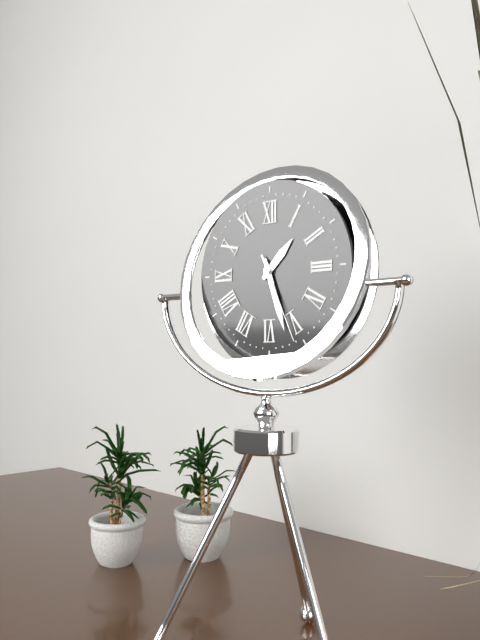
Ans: 1:27:26
